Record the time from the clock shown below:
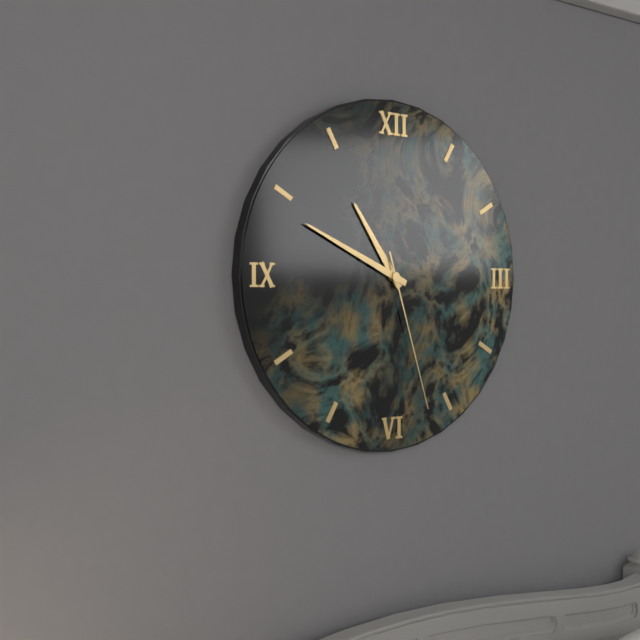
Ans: 10:49:27
